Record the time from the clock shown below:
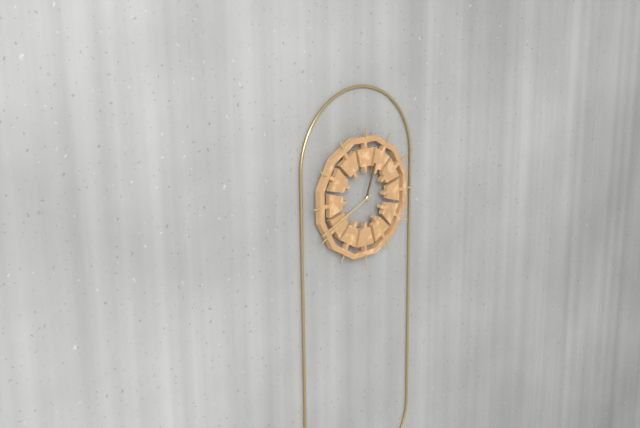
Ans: 12:41
